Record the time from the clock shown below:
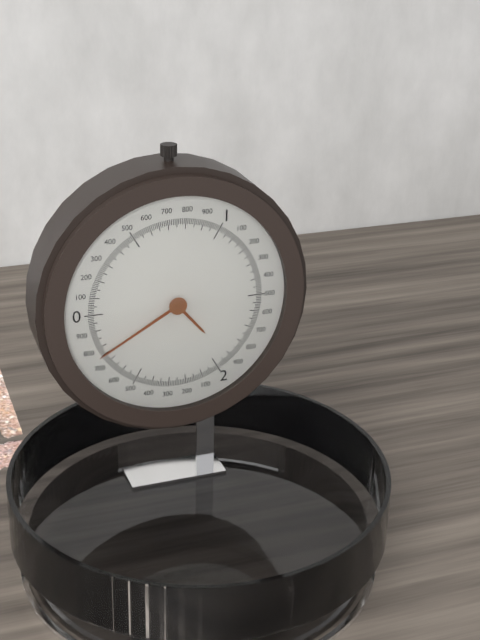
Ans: 4:40
